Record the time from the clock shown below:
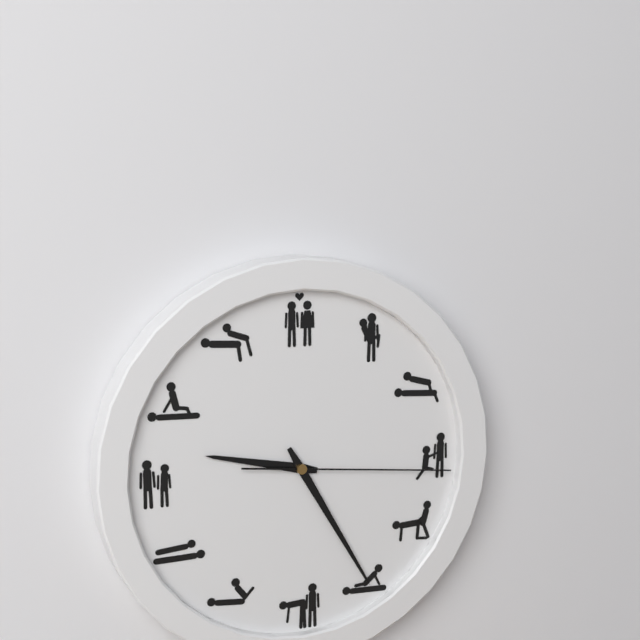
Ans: 9:25:16
